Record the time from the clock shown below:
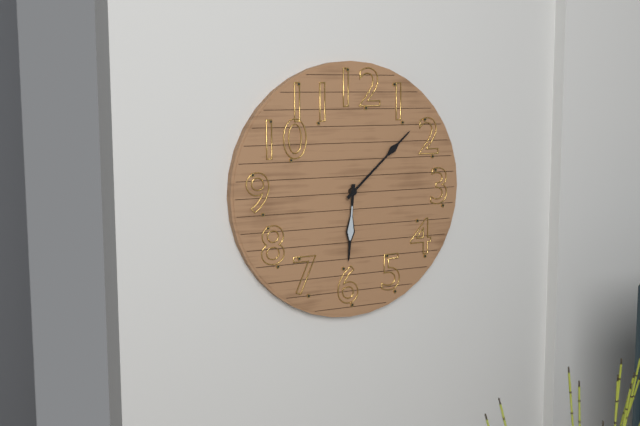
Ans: 6:08
